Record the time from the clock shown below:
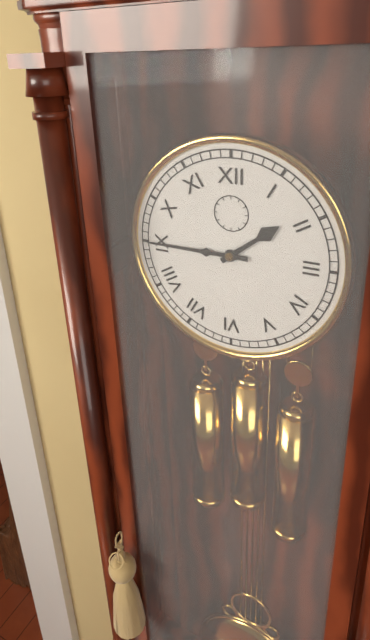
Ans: 1:45
